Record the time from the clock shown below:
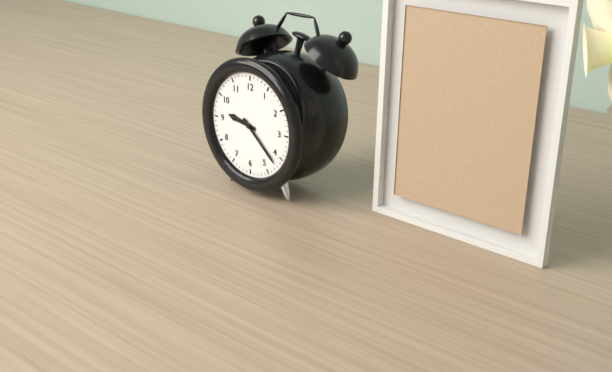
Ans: 9:22
